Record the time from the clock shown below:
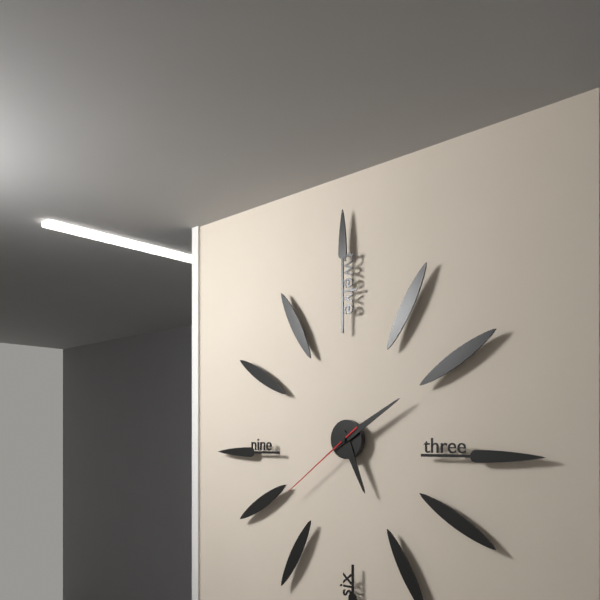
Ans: 5:10:39
